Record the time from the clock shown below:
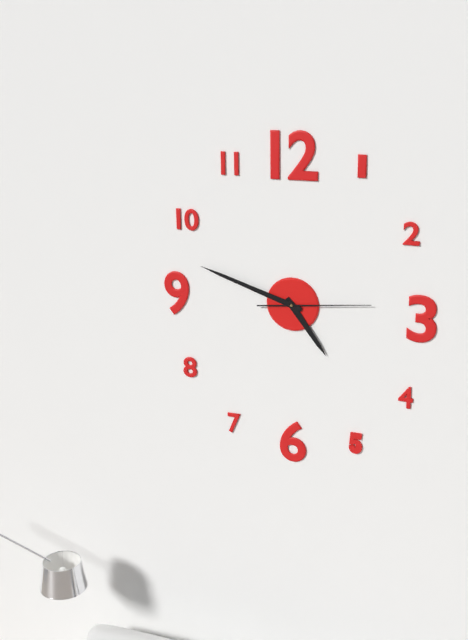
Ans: 4:48:14
